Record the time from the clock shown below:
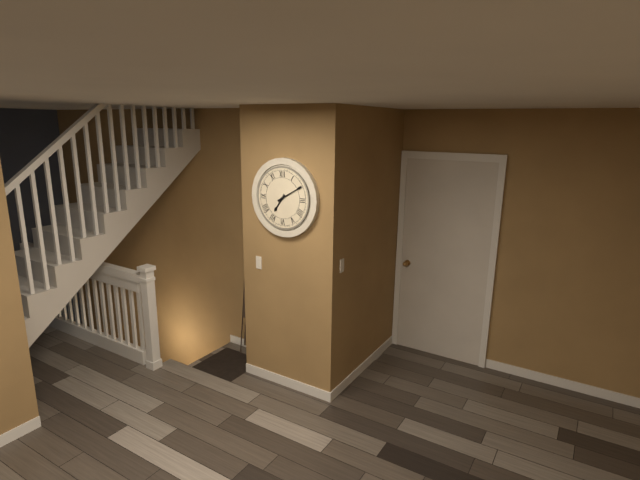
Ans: 7:10
